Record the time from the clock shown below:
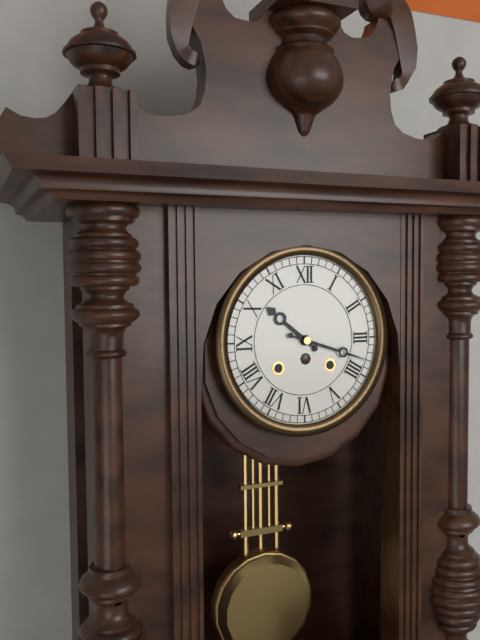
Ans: 10:18
